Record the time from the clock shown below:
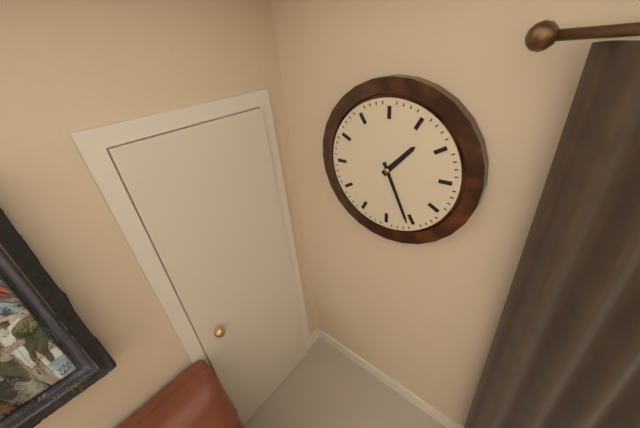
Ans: 1:26
